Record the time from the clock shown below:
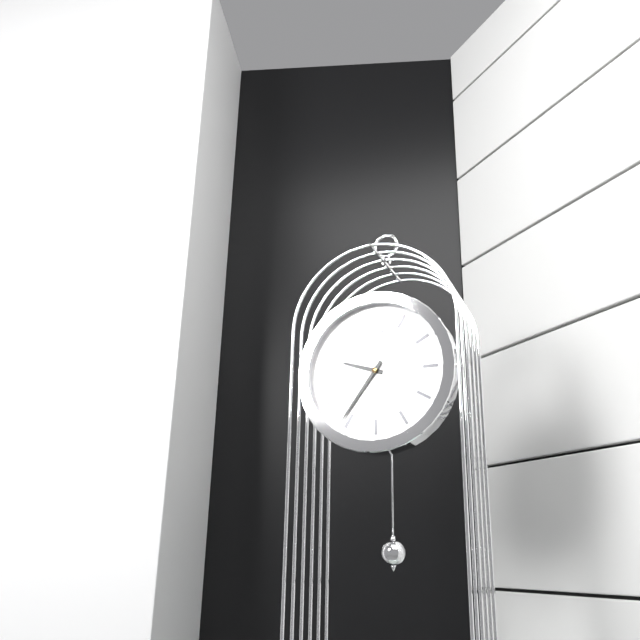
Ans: 9:36
